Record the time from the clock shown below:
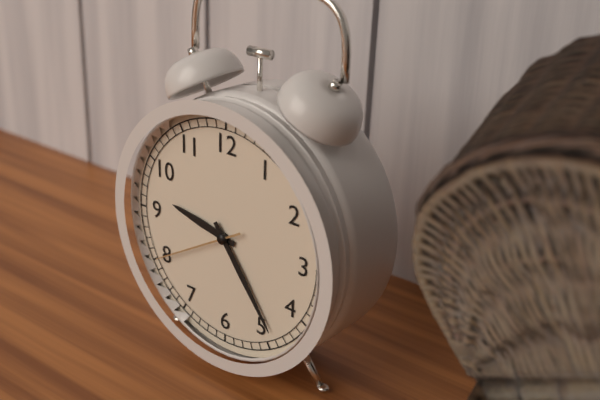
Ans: 9:24:40
